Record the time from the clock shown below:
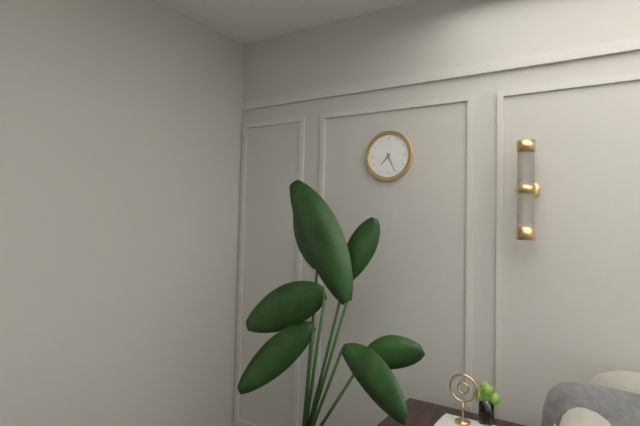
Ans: 7:26
